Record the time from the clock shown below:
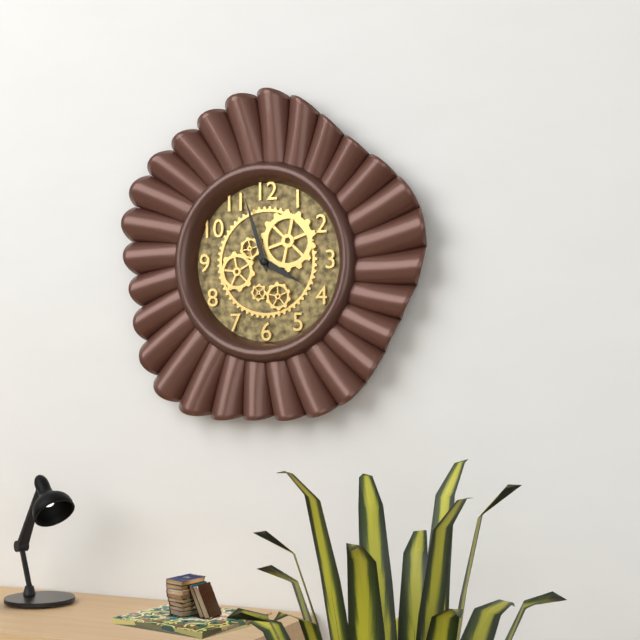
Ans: 3:57
